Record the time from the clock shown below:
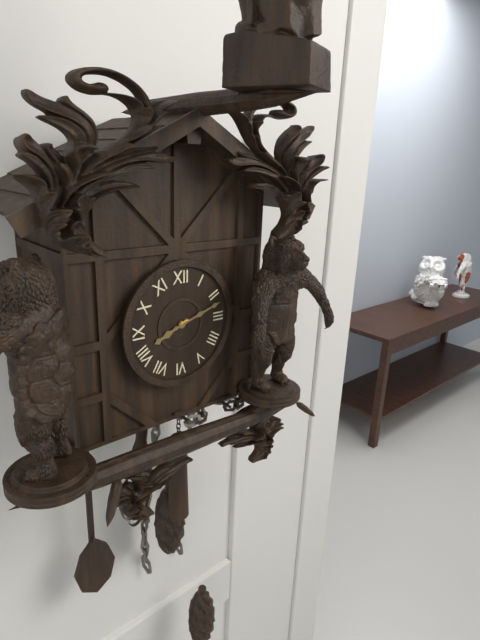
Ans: 8:12
